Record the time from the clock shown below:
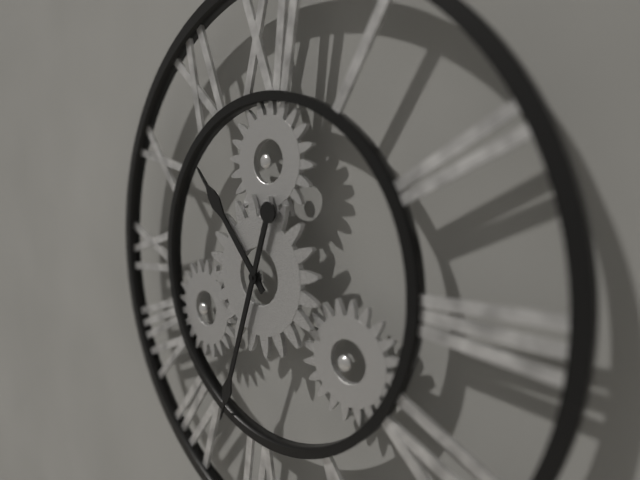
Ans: 10:33
